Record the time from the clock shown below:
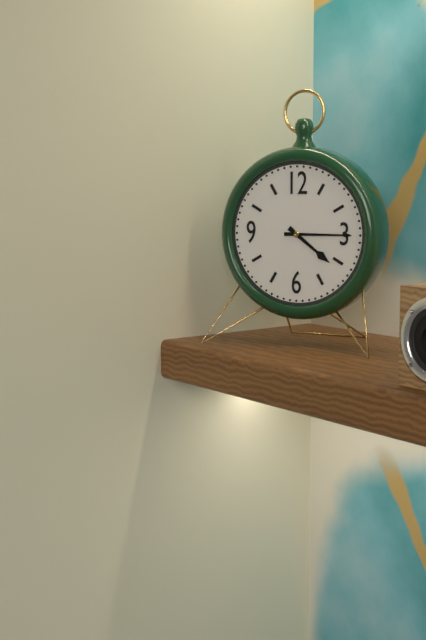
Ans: 4:15
